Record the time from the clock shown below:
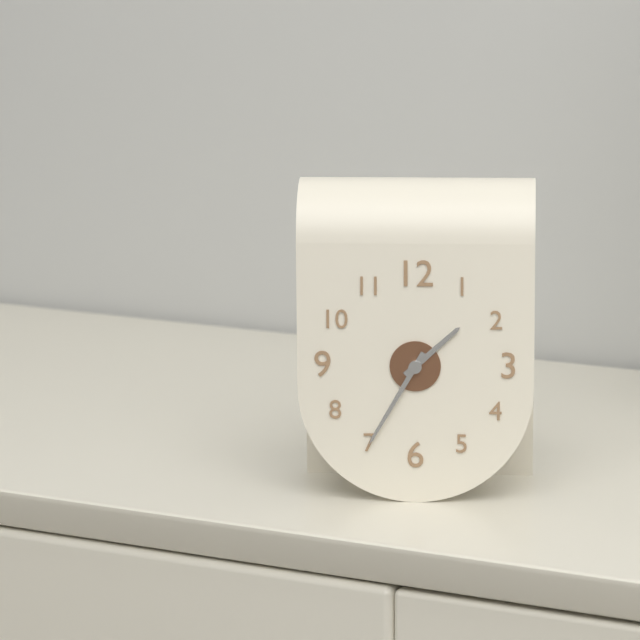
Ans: 1:35
